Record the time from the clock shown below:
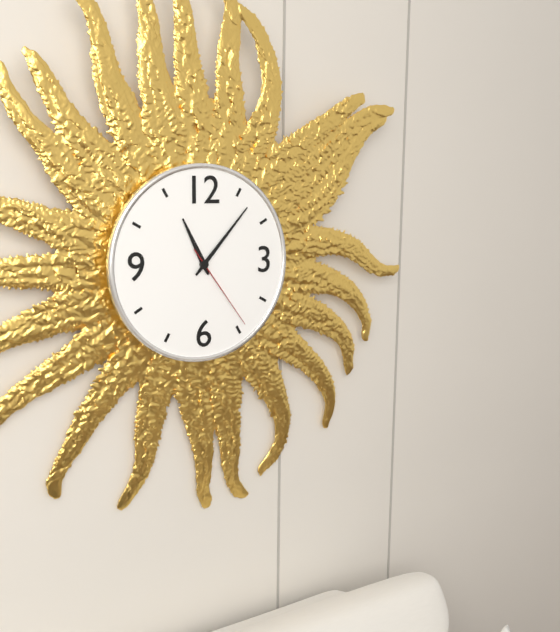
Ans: 11:07:24
